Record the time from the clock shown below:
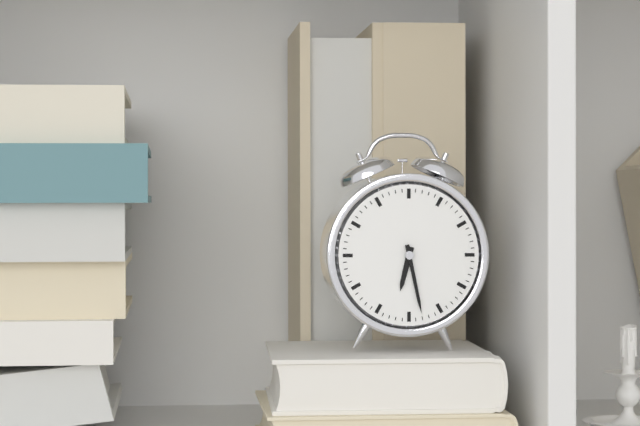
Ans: 6:28
